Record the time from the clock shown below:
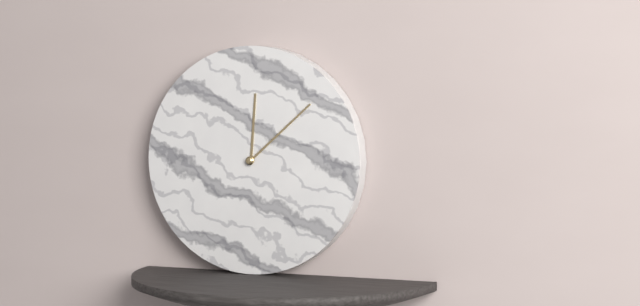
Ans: 12:08
